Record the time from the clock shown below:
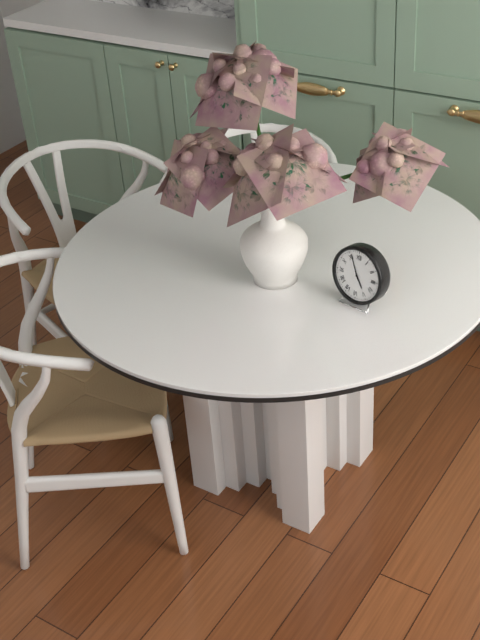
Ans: 4:56
